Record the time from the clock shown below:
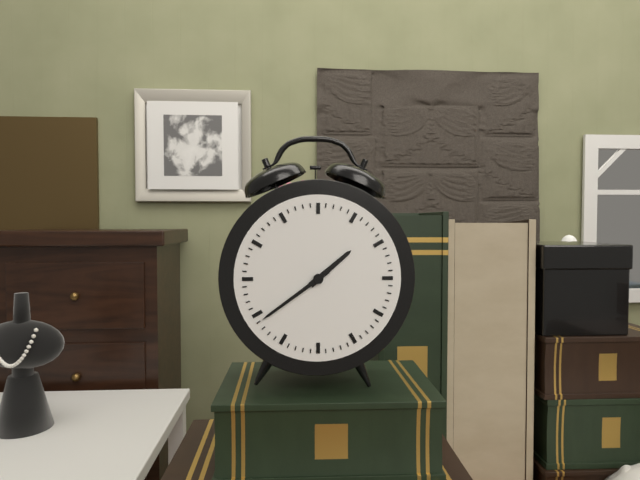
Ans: 1:39
